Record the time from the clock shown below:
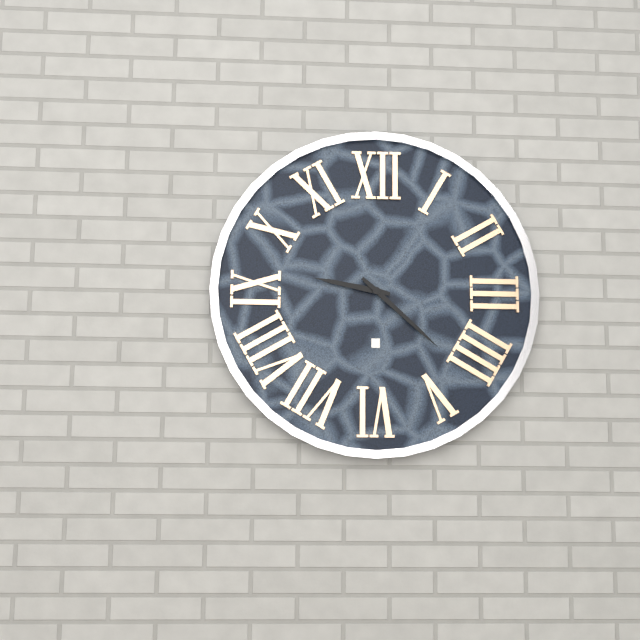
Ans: 9:22
